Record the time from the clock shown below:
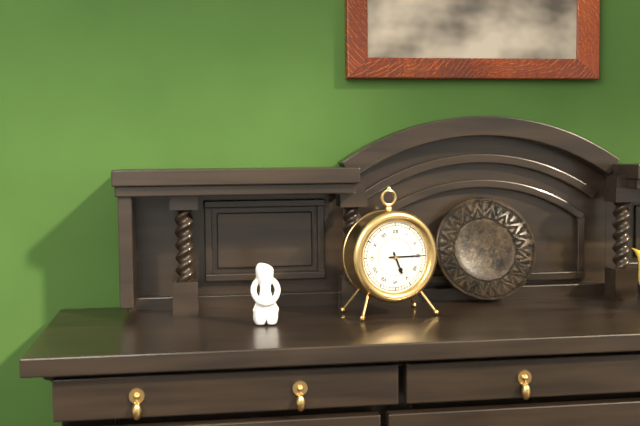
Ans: 5:15
